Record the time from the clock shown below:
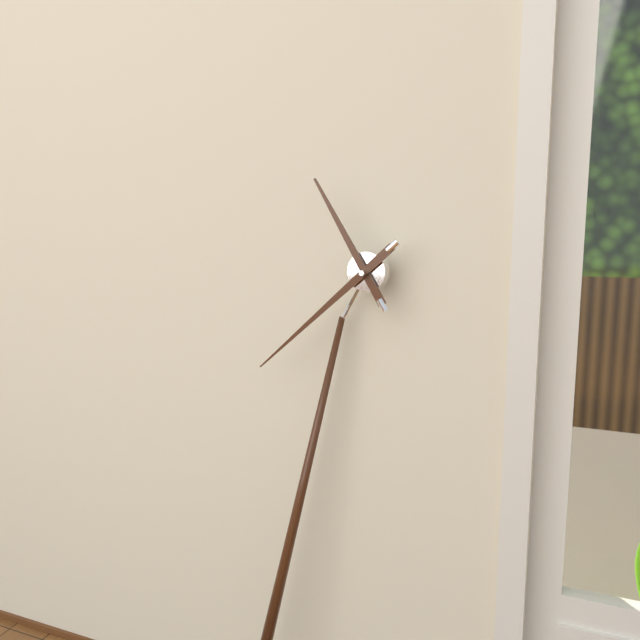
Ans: 10:36
